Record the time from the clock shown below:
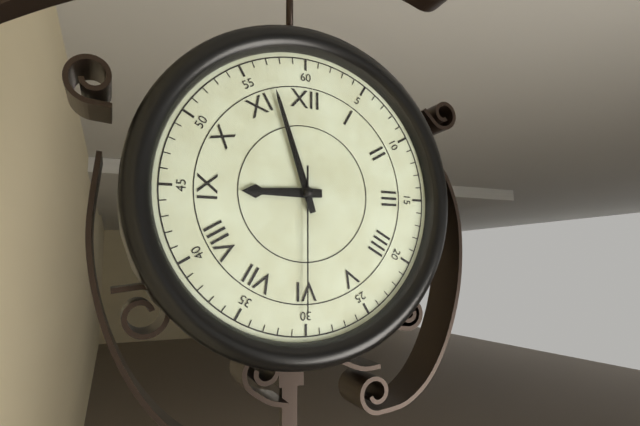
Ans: 8:57:30
